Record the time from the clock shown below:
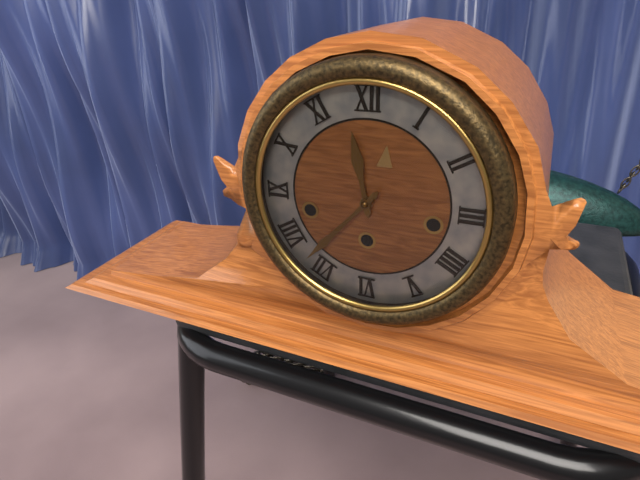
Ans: 11:37
